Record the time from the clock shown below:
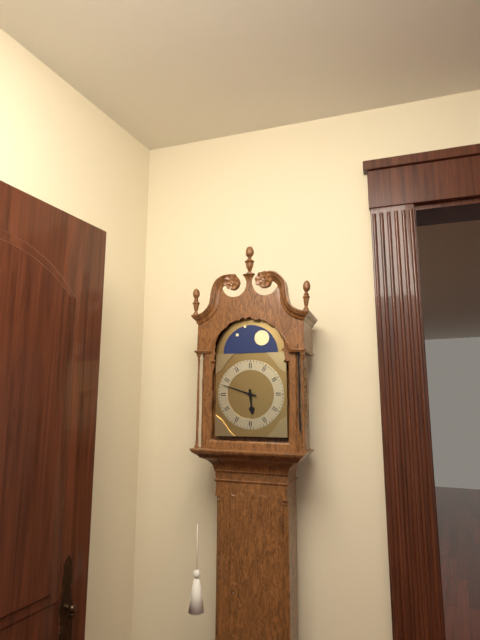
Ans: 5:48
